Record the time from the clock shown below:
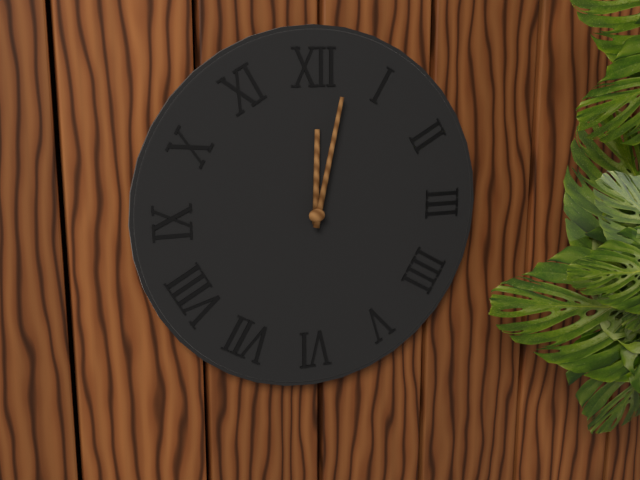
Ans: 12:02
